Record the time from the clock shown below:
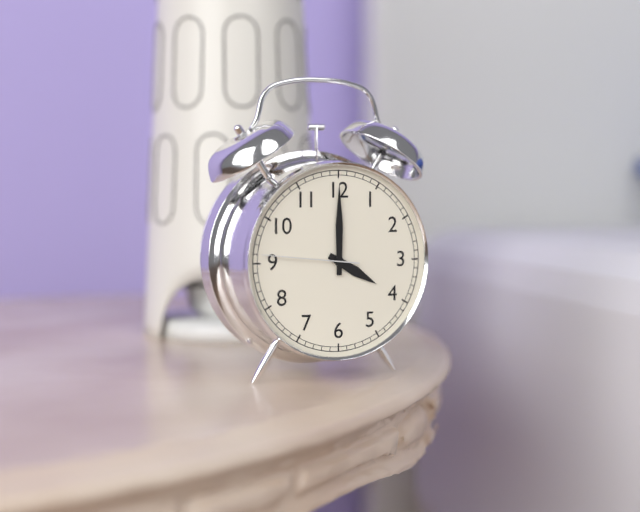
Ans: 4:00:46
